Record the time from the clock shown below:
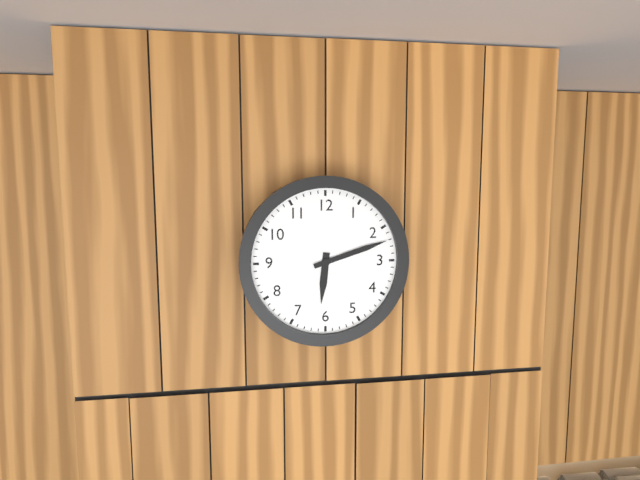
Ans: 6:12
